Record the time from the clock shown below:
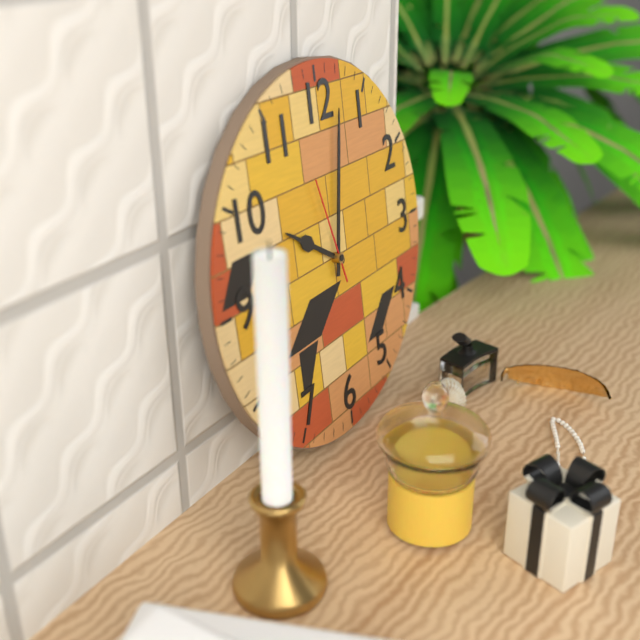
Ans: 10:02:57
